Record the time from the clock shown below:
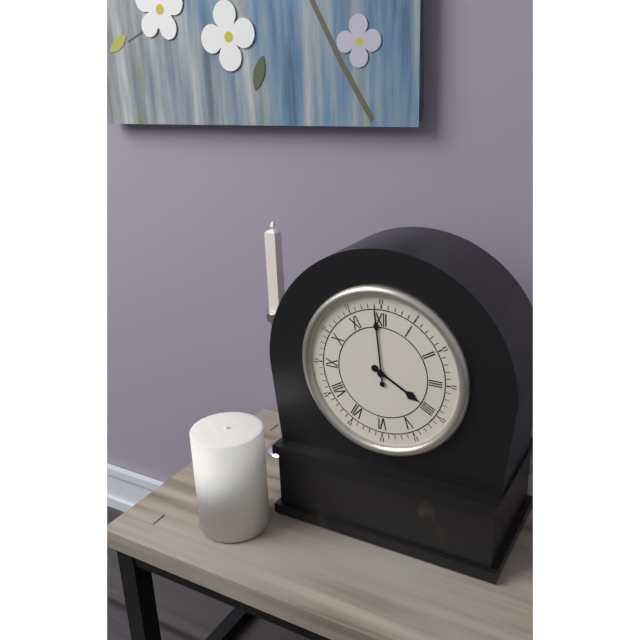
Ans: 3:59
